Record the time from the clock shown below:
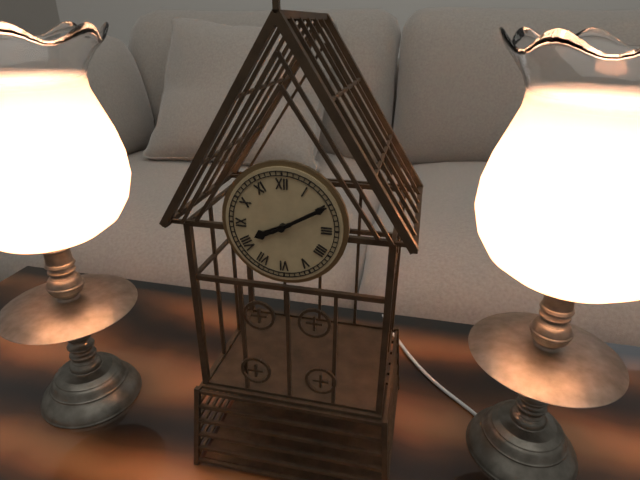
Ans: 8:10
